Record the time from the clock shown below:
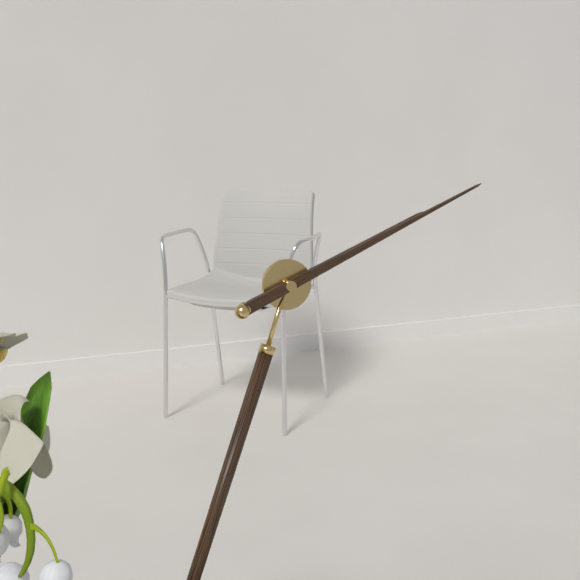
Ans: 2:11
